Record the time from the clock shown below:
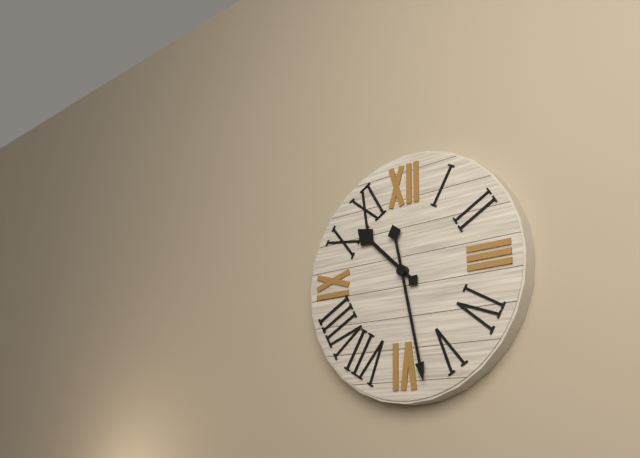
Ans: 10:28
